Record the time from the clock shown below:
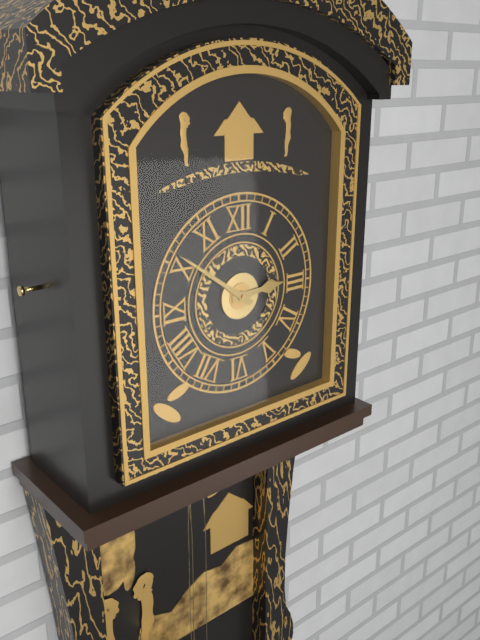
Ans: 2:51
